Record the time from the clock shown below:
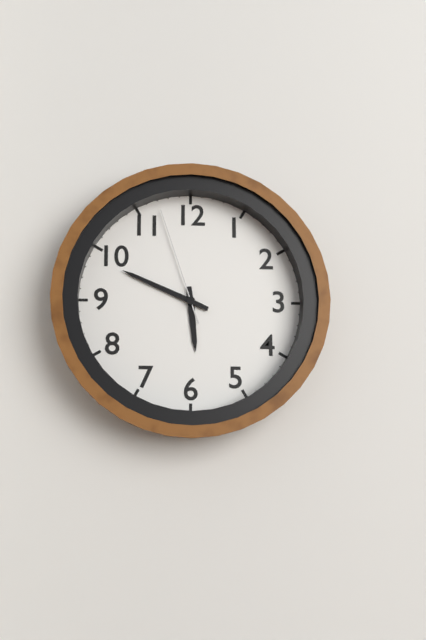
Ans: 5:49:57
